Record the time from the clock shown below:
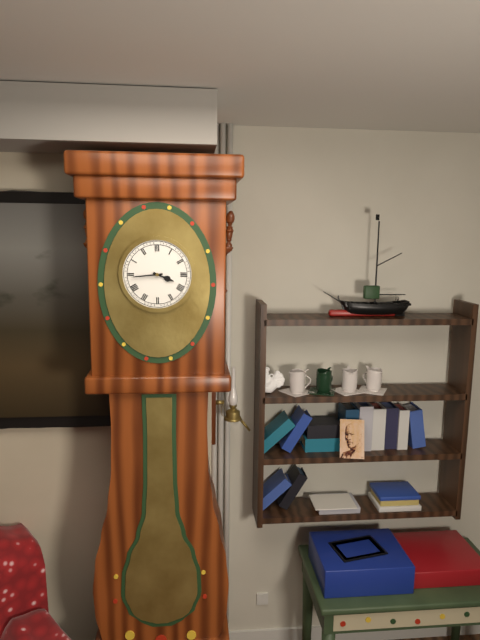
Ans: 3:44
